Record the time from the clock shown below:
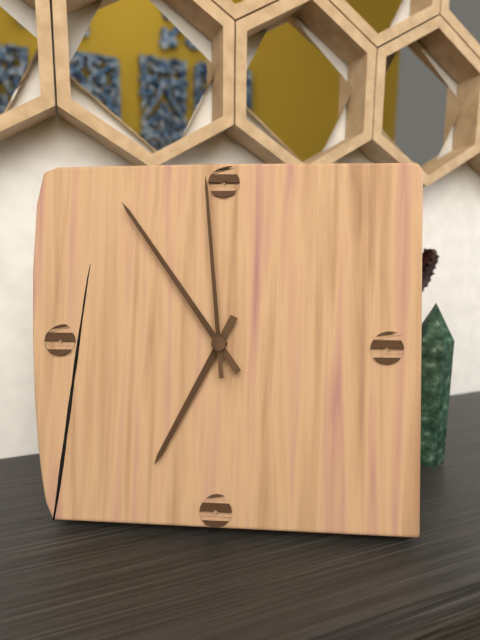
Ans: 6:54:59
